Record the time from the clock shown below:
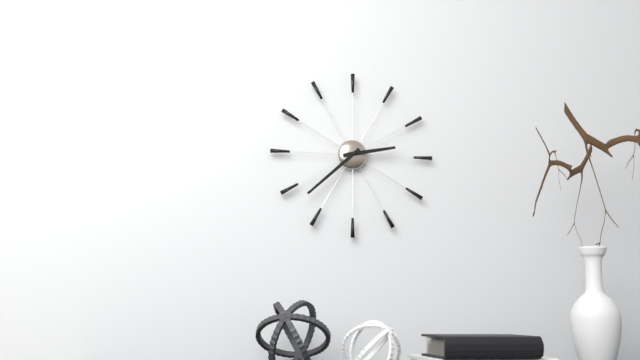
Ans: 2:38
